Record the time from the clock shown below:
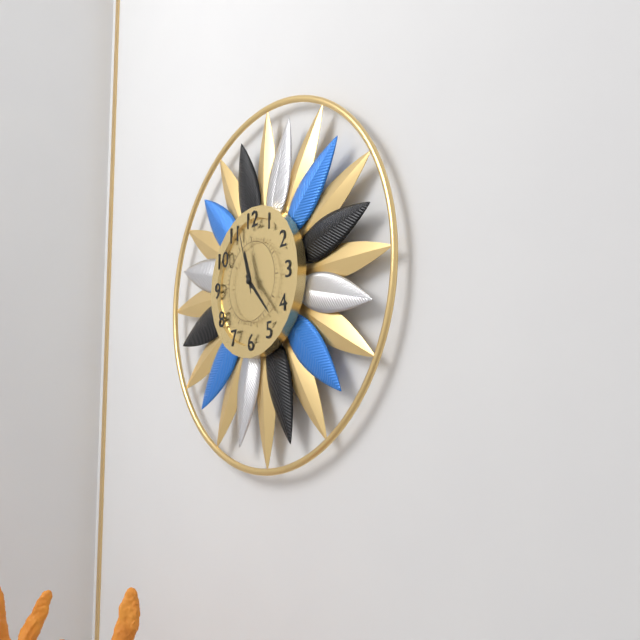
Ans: 11:23:57
